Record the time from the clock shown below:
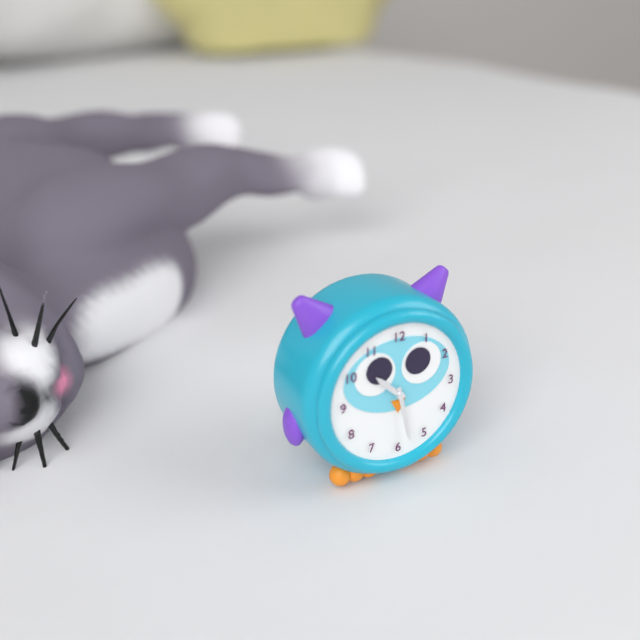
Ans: 10:28
